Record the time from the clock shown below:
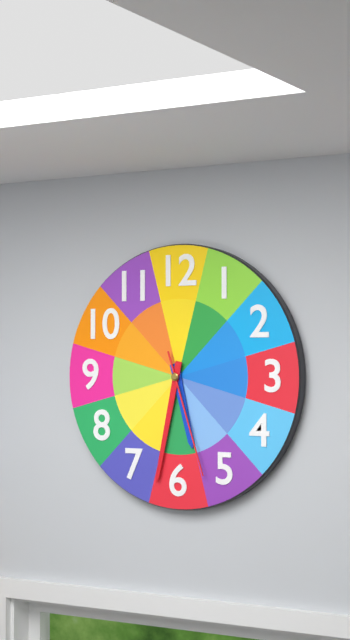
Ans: 5:32:27
